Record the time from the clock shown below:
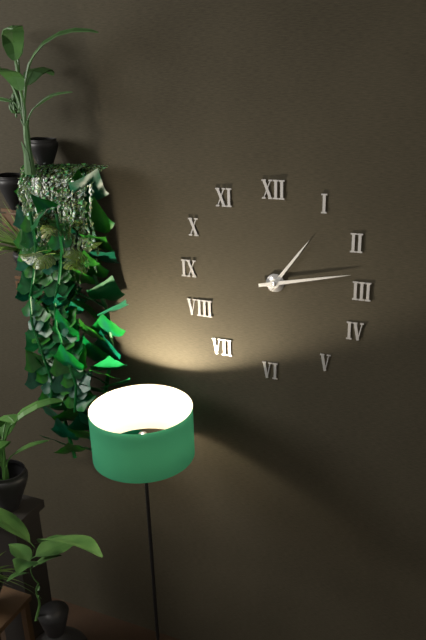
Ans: 1:13
